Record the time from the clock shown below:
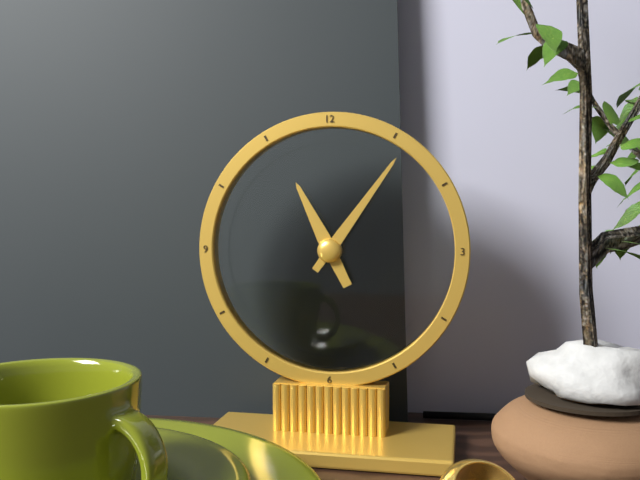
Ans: 11:06
